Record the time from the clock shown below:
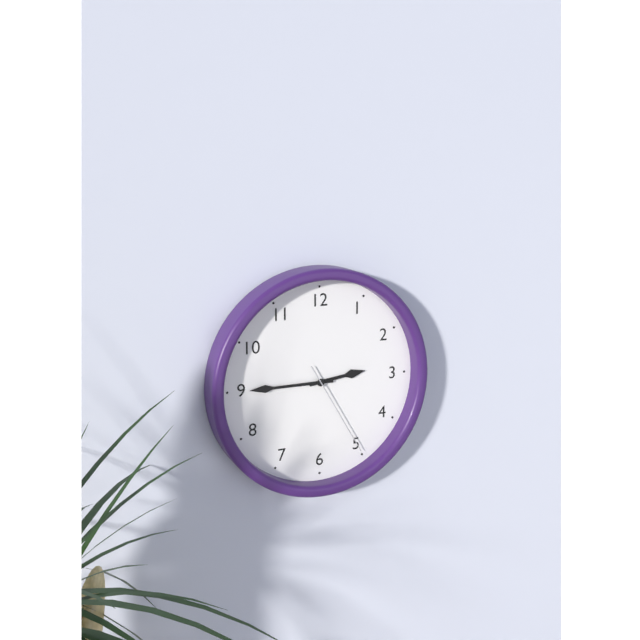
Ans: 2:45:25
